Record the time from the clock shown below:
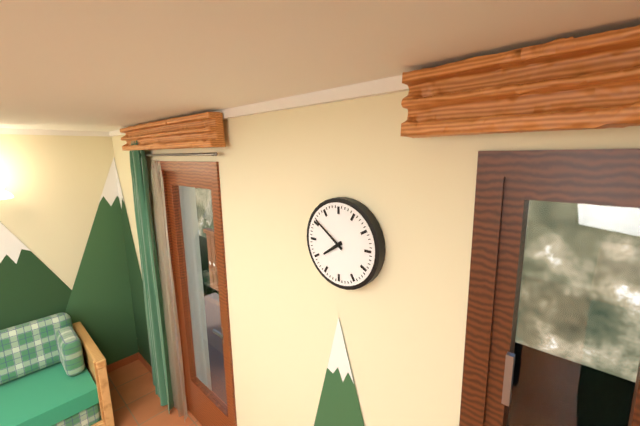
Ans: 7:51
